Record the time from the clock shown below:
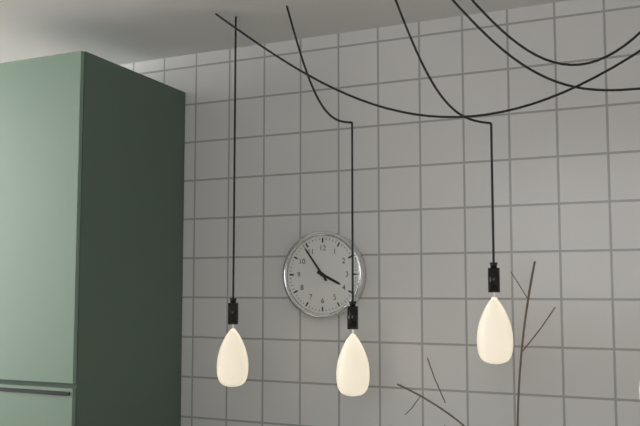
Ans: 3:54
